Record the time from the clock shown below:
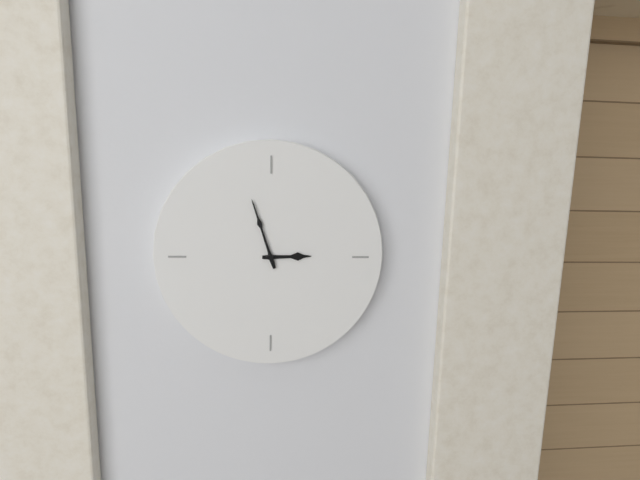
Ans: 2:57
